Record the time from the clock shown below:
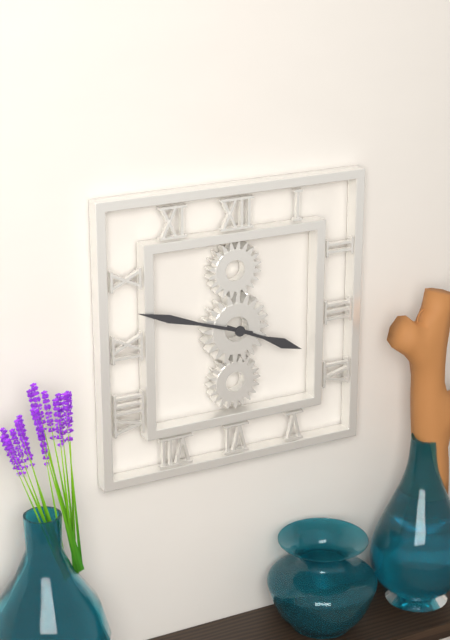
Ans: 3:48
